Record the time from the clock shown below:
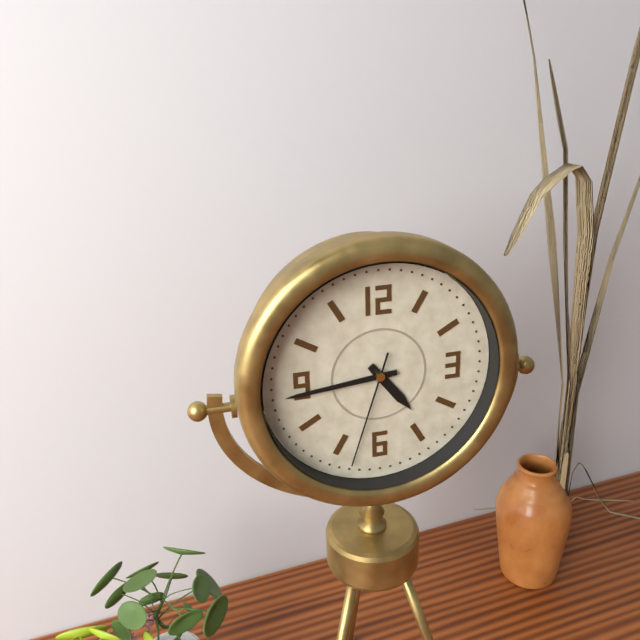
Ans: 4:44:33
